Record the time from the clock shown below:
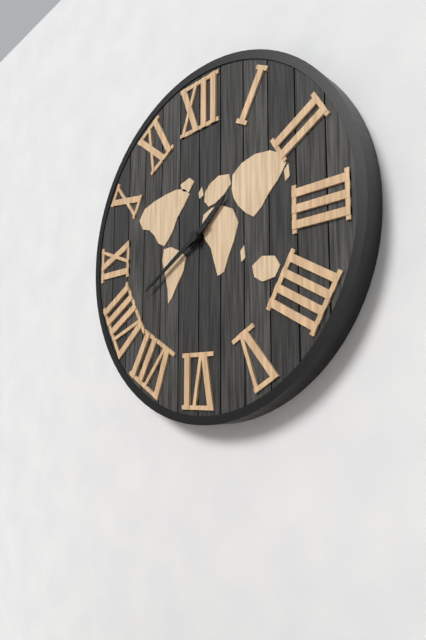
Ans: 1:40
